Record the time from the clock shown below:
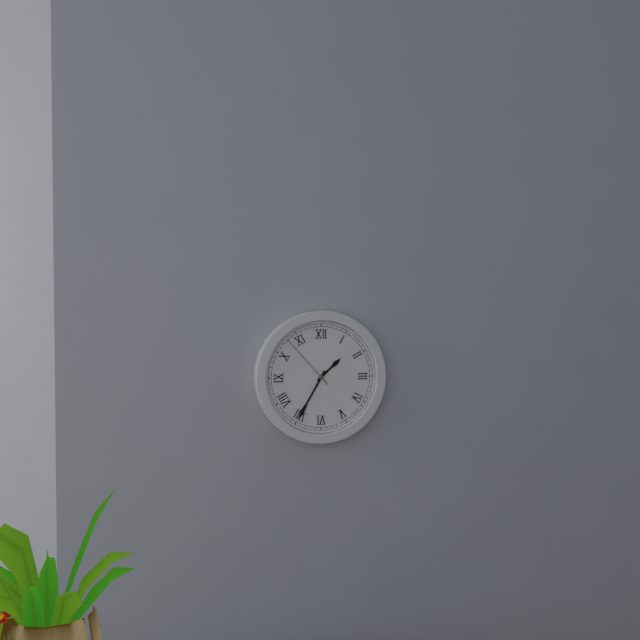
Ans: 1:35:53
